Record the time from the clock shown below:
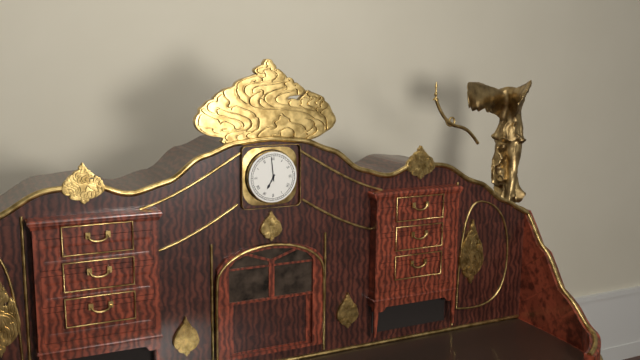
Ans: 6:59
